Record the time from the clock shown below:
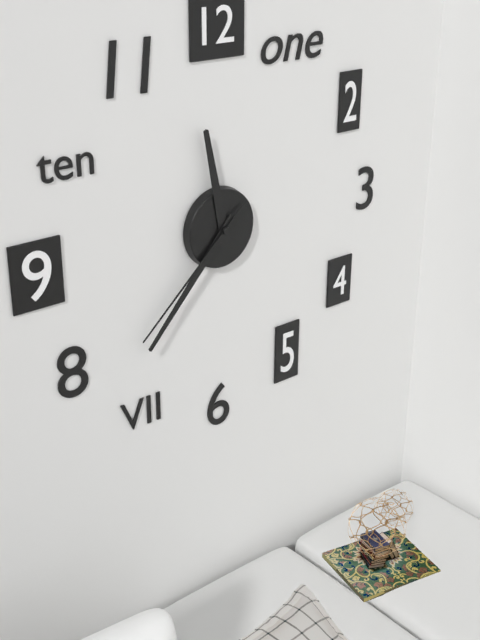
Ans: 11:37:38
